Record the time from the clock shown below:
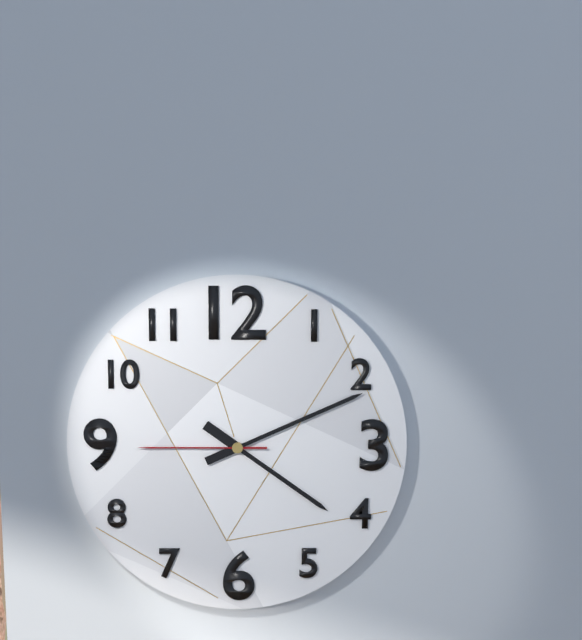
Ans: 4:11:45
